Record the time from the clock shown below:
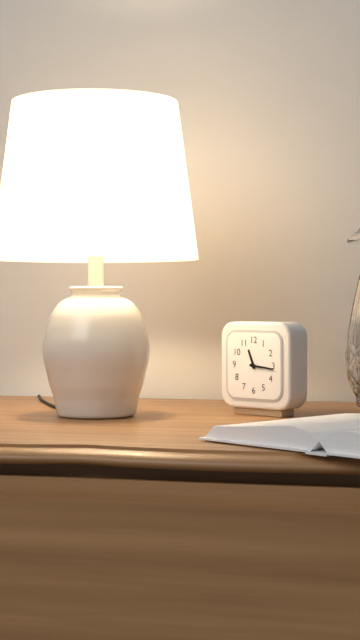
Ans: 11:16
